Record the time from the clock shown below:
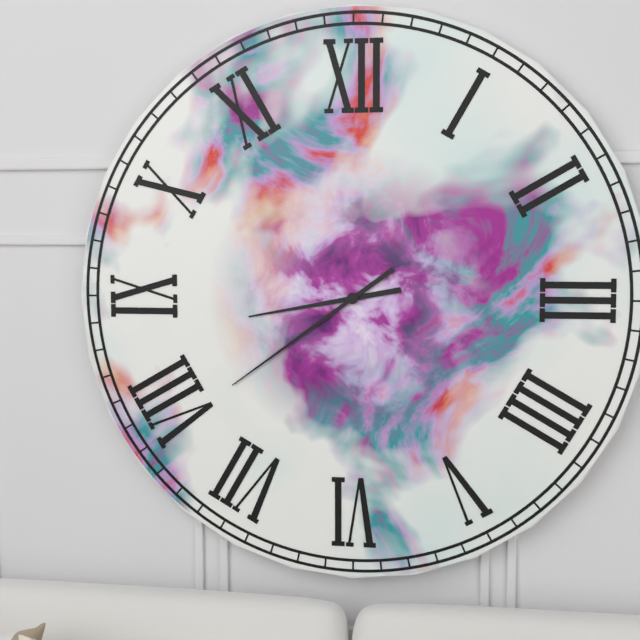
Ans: 8:39
